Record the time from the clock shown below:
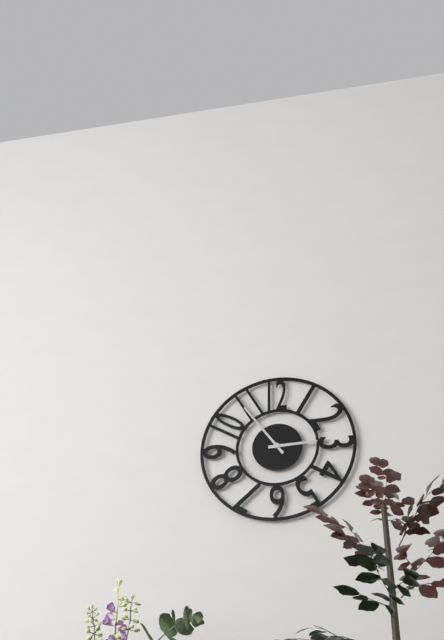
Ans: 2:54
